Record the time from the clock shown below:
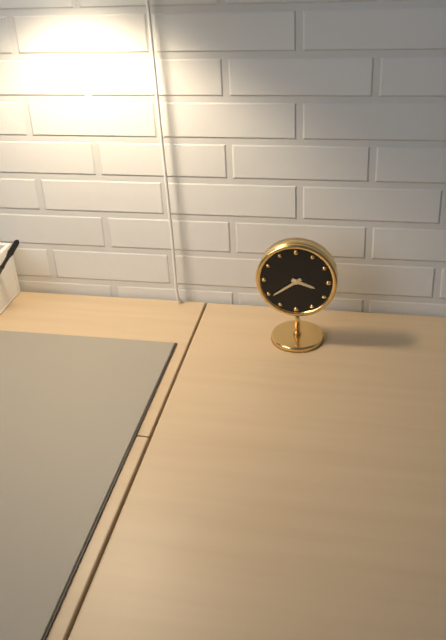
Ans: 3:39
